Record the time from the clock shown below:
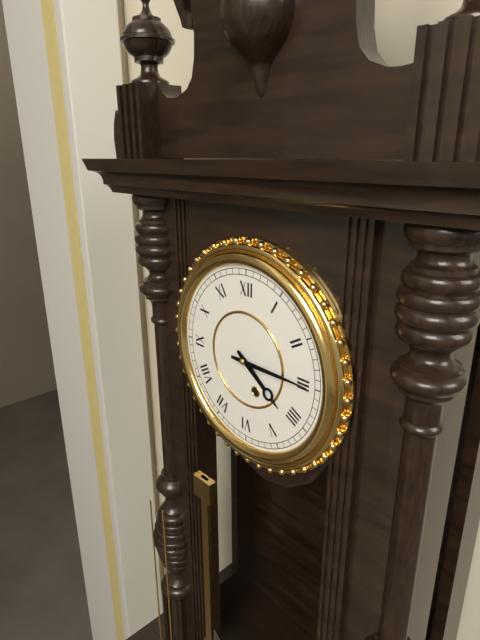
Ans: 4:15
